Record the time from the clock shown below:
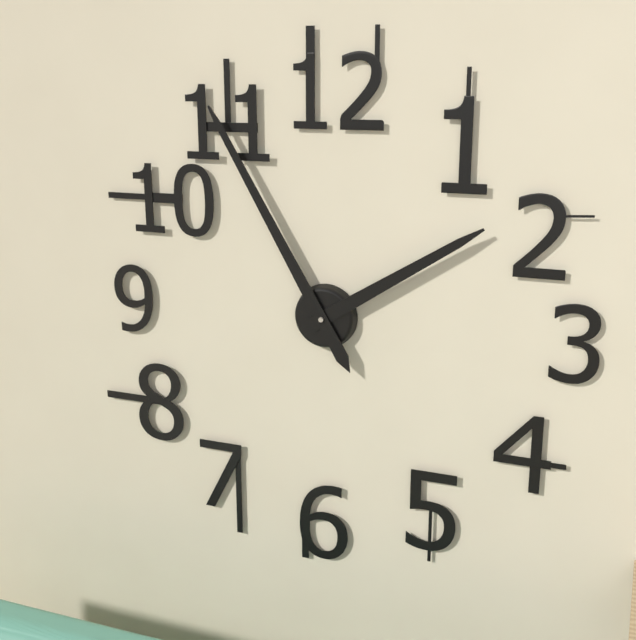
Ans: 1:55
